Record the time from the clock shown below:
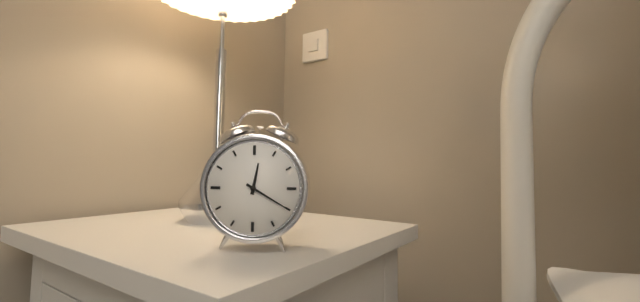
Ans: 12:20
